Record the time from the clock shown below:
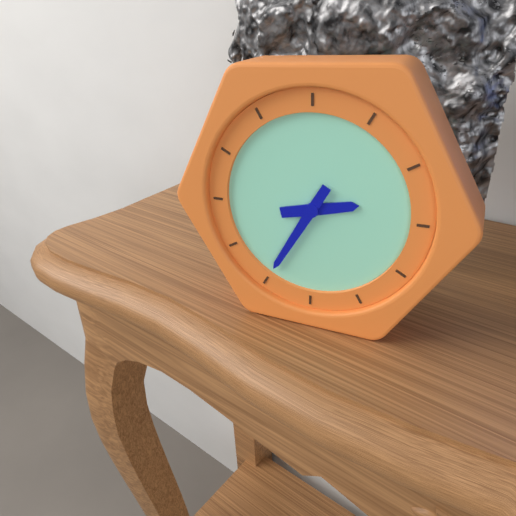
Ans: 2:35
